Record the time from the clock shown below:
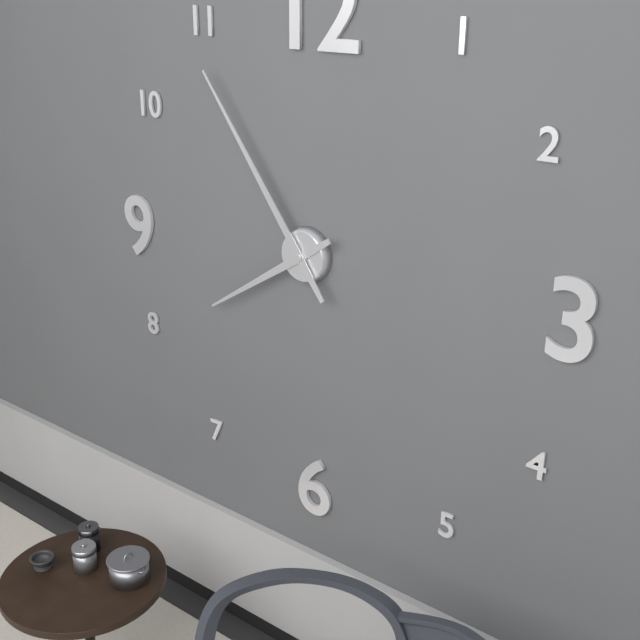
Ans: 7:54
